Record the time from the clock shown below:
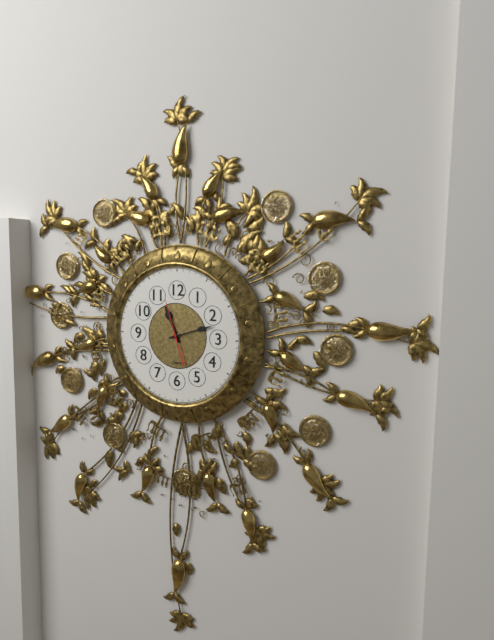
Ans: 11:12:57
